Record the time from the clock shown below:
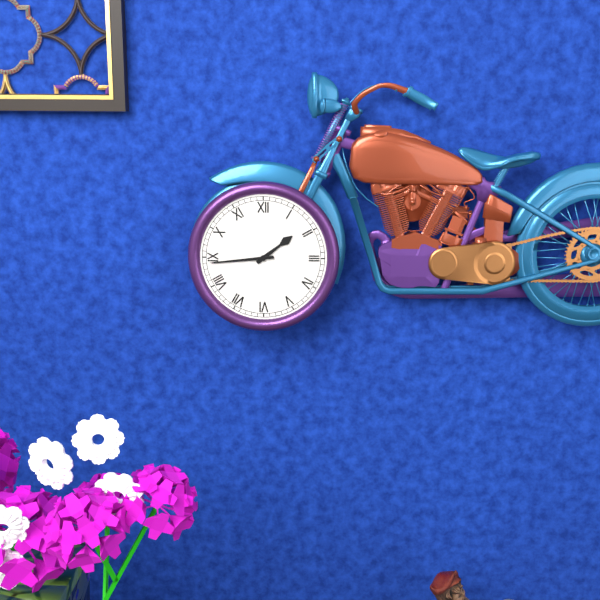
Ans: 1:44
